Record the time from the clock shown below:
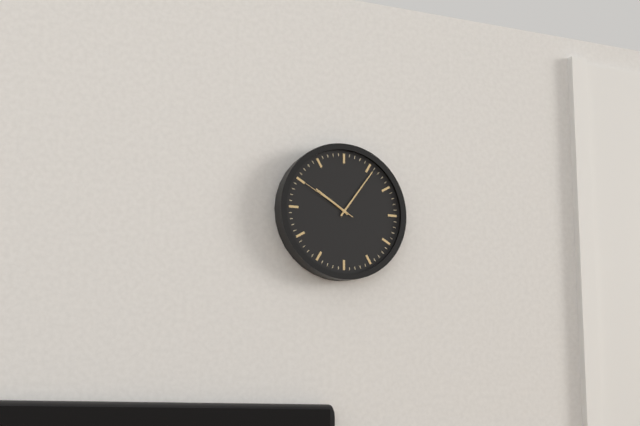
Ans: 10:06:50
